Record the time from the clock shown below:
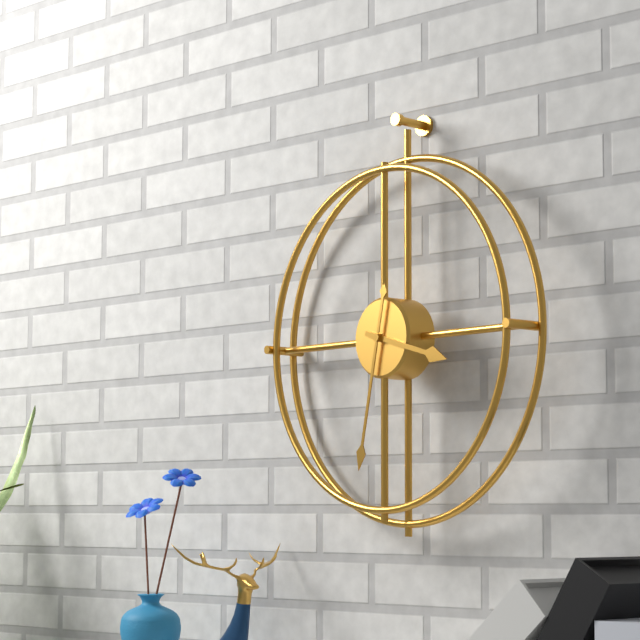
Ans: 3:32
